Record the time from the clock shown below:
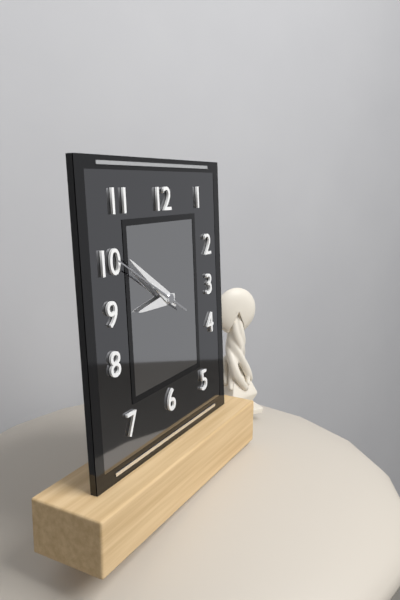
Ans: 8:51:50
